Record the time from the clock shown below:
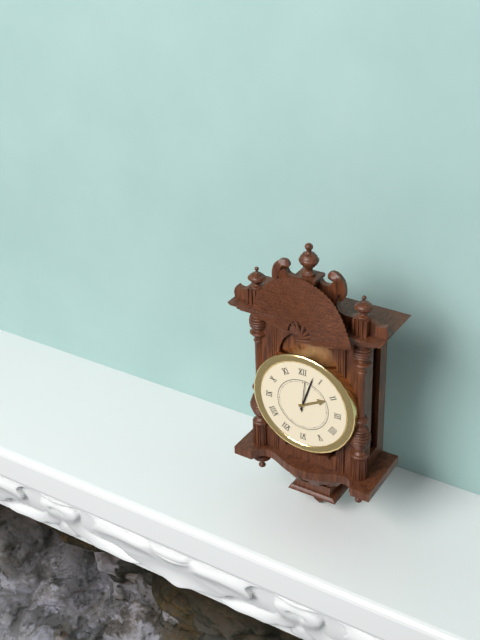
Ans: 2:03
